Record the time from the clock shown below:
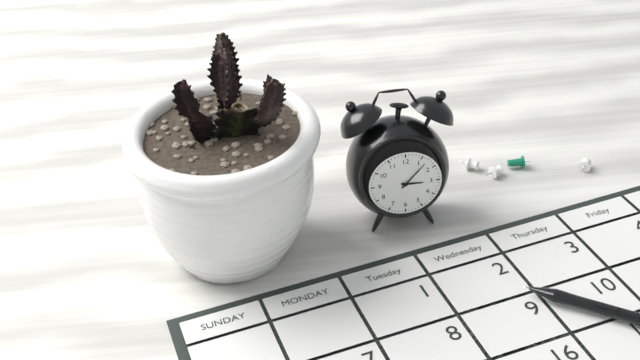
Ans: 3:07
